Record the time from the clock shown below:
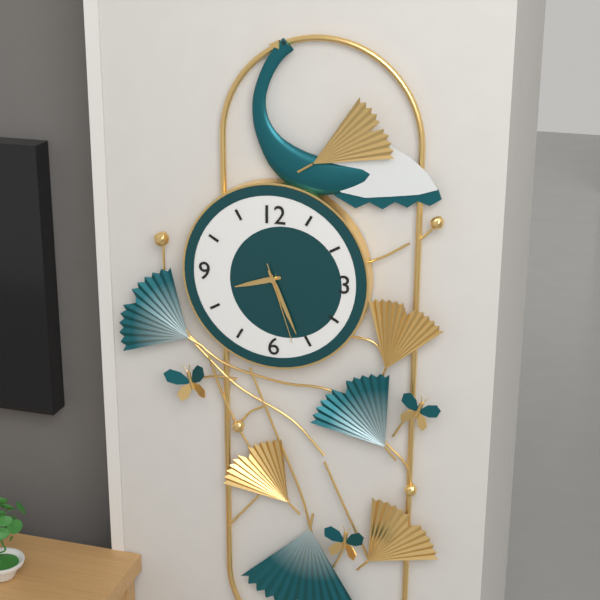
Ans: 8:26:27
